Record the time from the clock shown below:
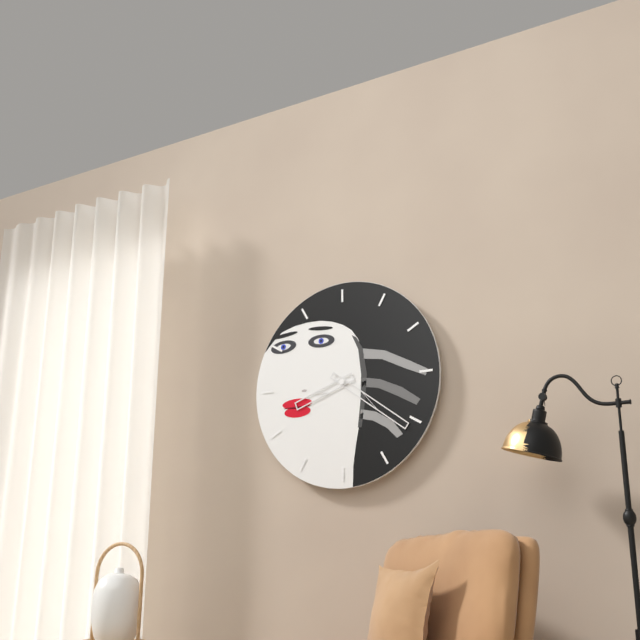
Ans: 8:21
